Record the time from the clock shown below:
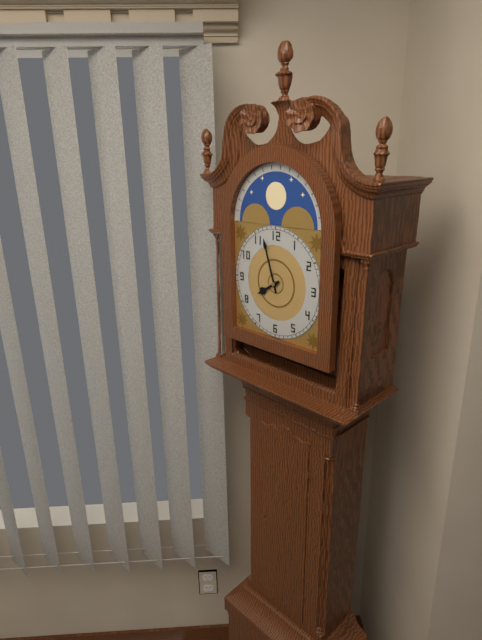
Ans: 7:57
